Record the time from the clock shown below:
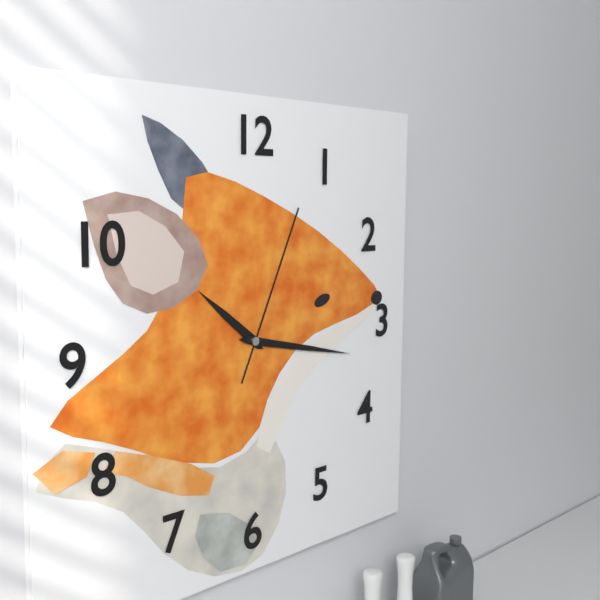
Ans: 10:17:04
